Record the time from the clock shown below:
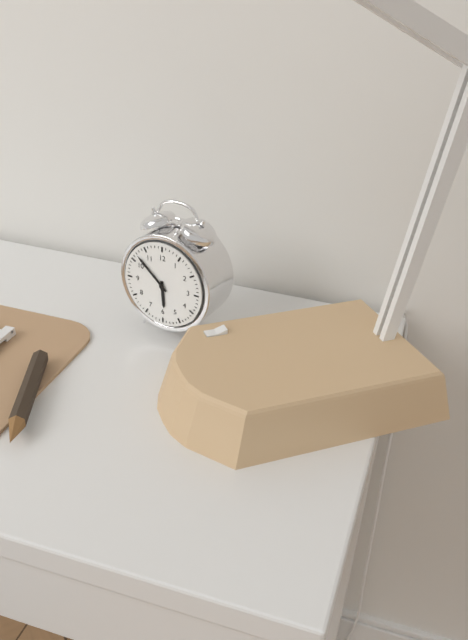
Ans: 5:52
